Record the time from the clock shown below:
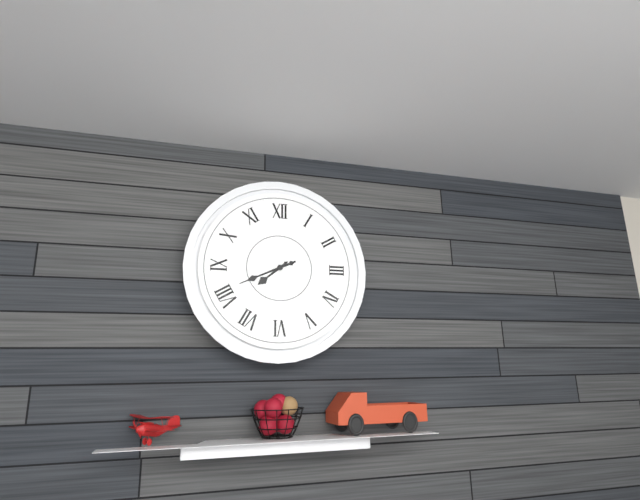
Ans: 7:41
